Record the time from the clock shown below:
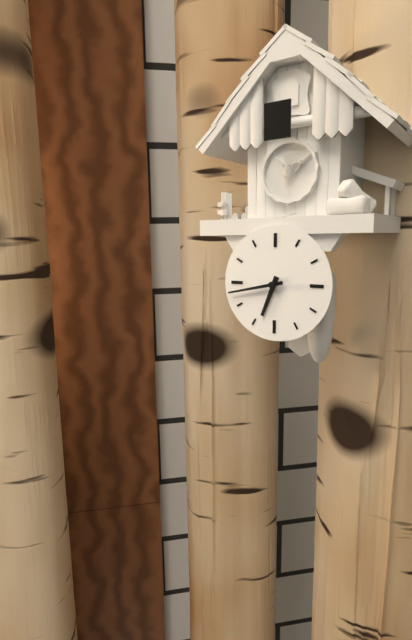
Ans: 6:43
